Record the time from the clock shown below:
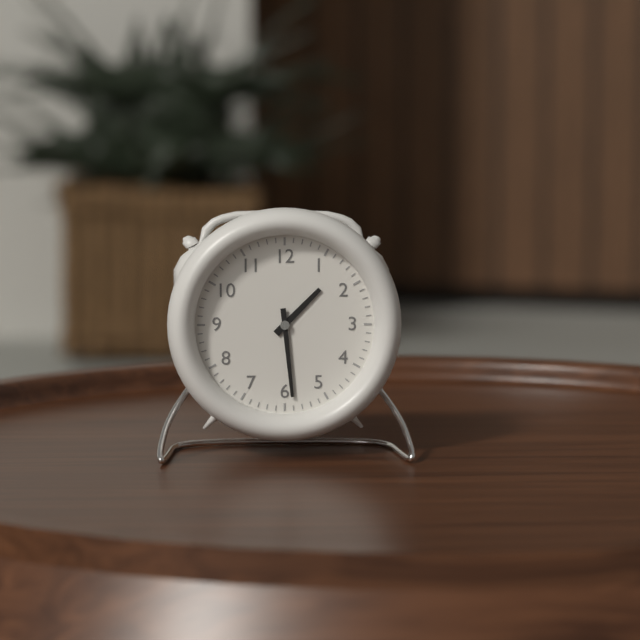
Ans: 1:29
